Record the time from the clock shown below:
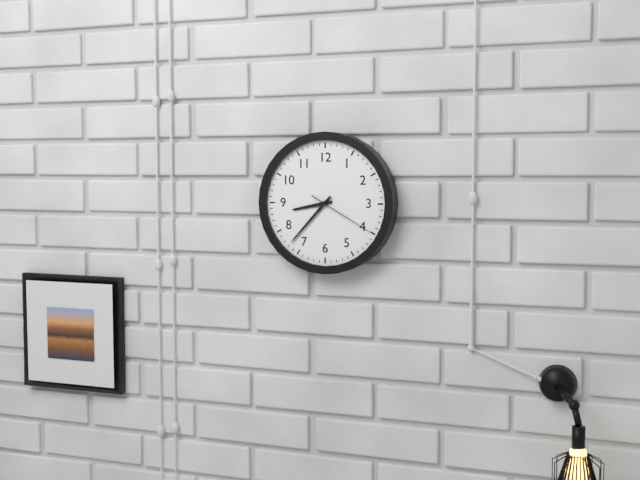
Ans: 8:37:20
